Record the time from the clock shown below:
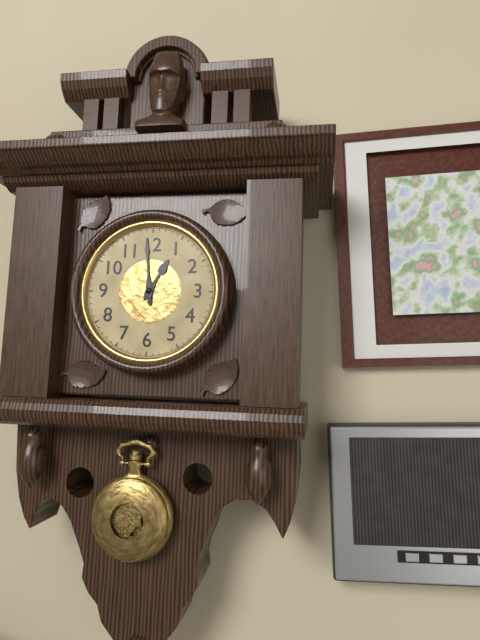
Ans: 12:59
